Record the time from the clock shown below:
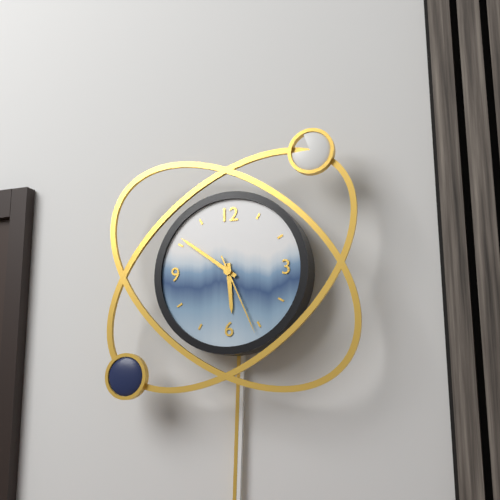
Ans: 5:51:26
